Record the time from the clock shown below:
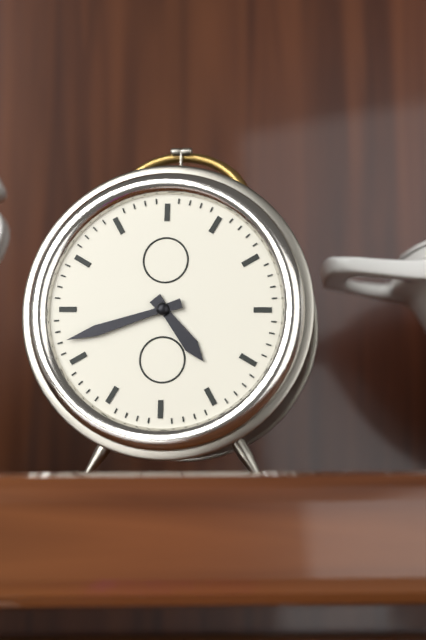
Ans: 4:42
